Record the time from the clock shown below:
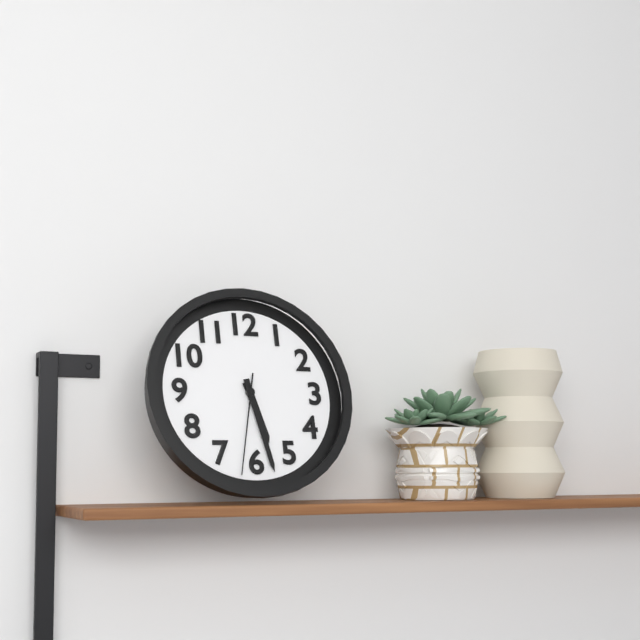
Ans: 5:28:32
